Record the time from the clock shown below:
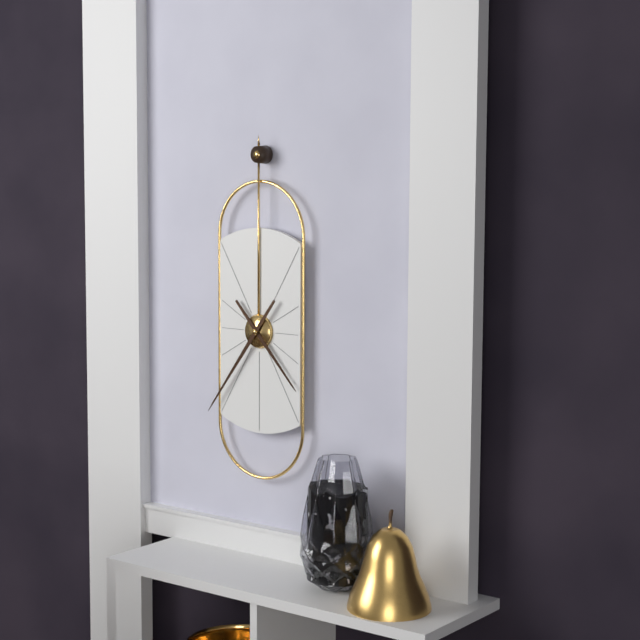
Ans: 4:36
